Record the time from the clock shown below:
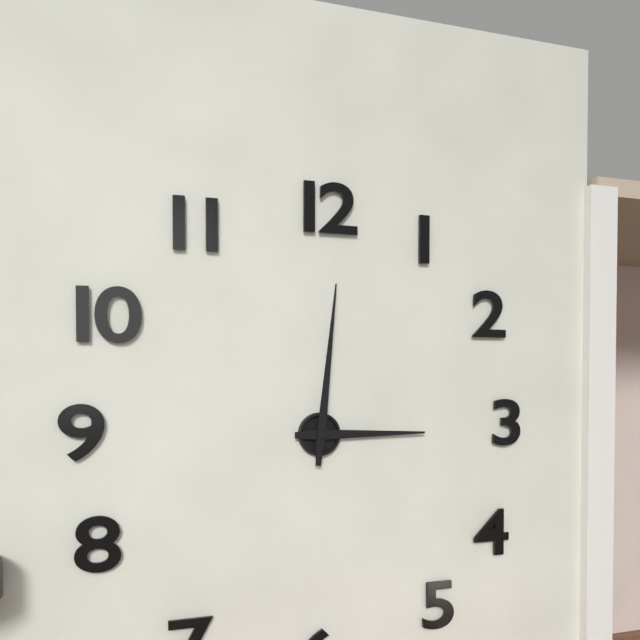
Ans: 3:01
